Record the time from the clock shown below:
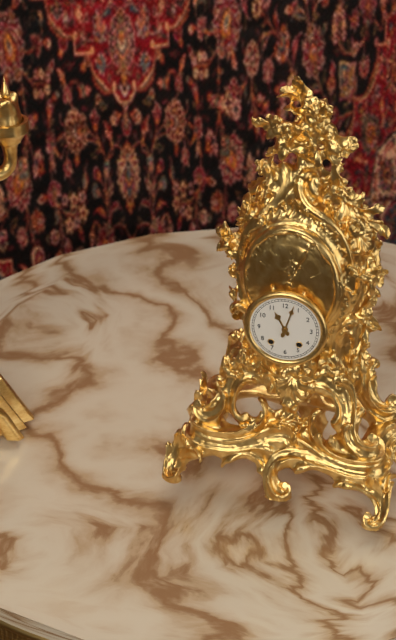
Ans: 11:03
